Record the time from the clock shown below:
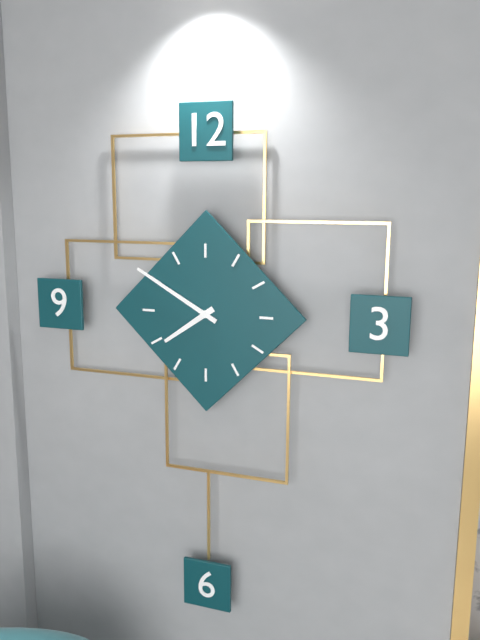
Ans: 7:50
